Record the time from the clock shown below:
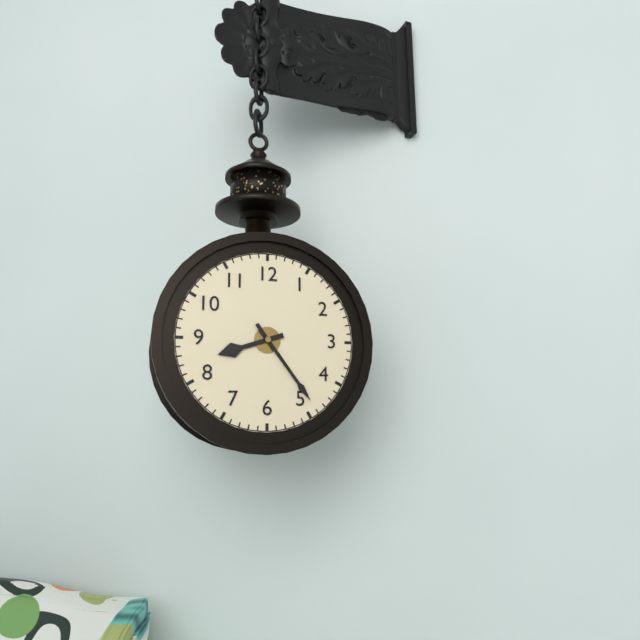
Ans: 8:24
